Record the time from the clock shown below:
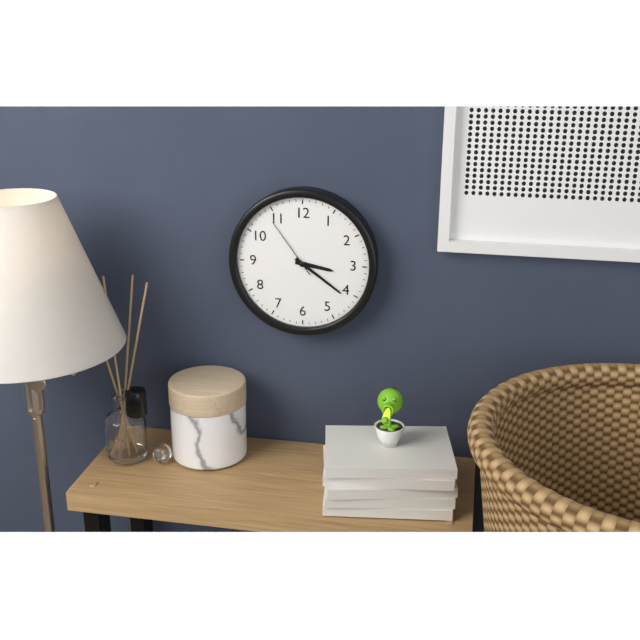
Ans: 3:21:54
